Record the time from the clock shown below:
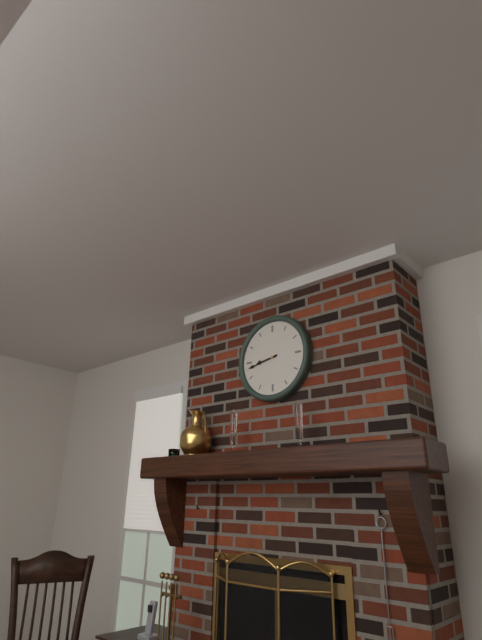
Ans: 8:43
